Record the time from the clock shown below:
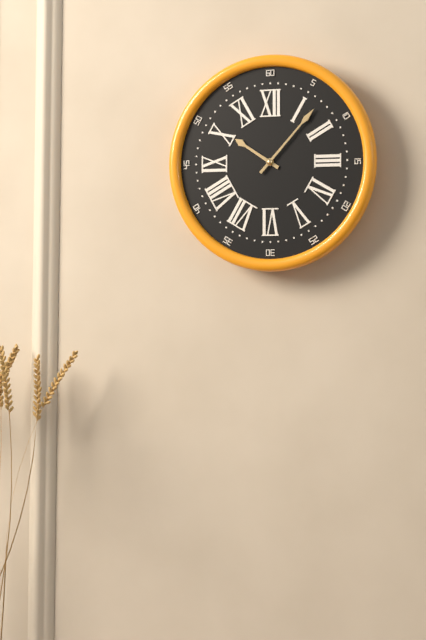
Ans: 10:07
